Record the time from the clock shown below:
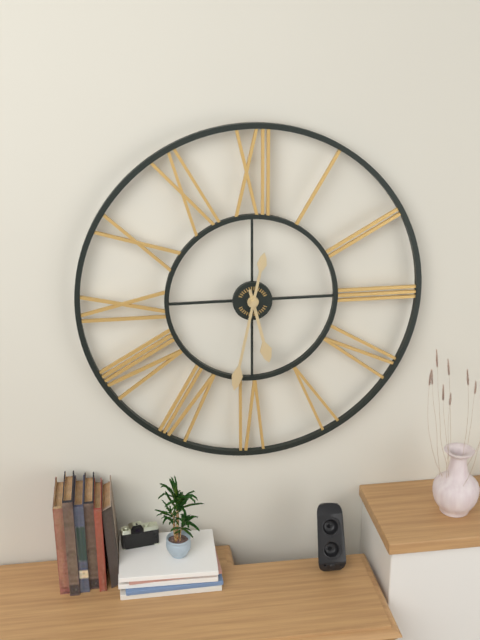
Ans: 5:32
